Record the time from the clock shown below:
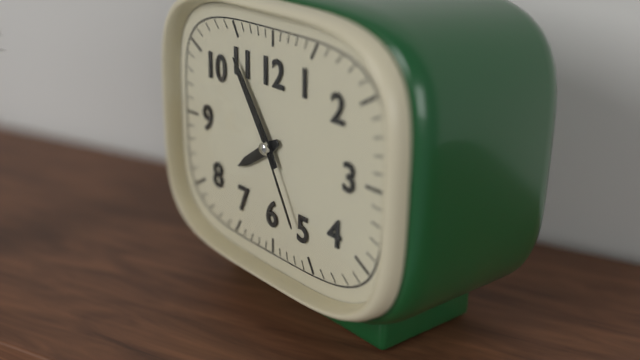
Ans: 7:54:25
